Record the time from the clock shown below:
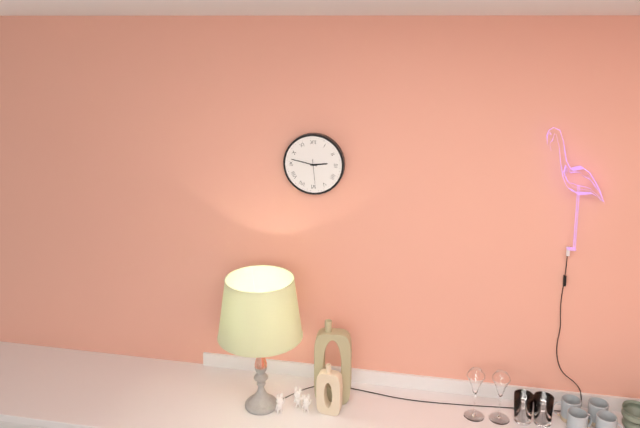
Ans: 2:47
